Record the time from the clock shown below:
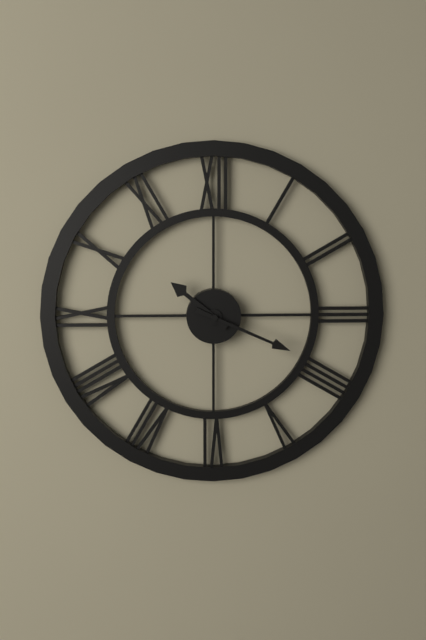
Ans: 10:19
